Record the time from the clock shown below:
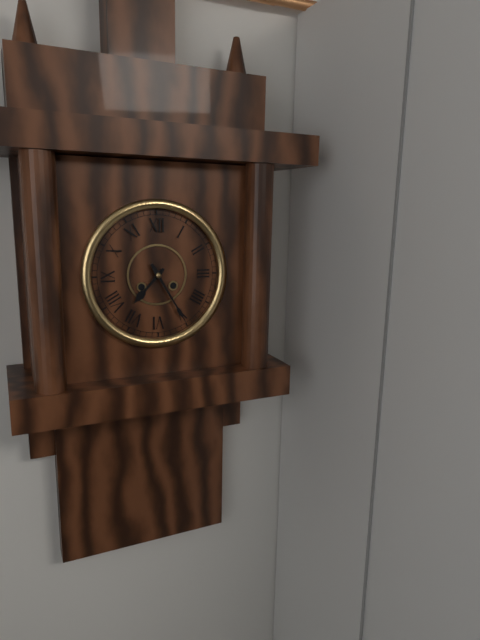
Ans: 7:25
